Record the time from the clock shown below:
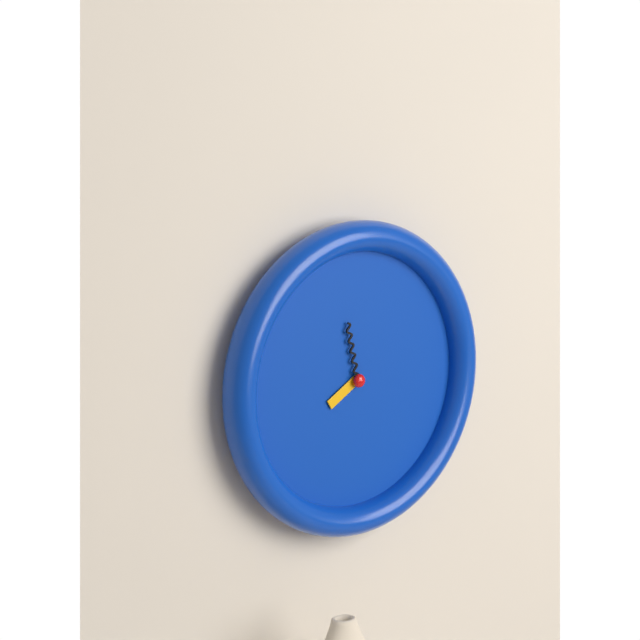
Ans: 7:58
